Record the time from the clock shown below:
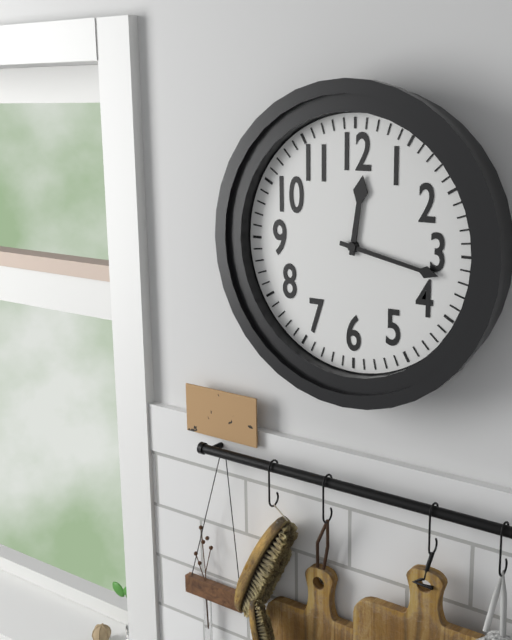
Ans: 12:17
